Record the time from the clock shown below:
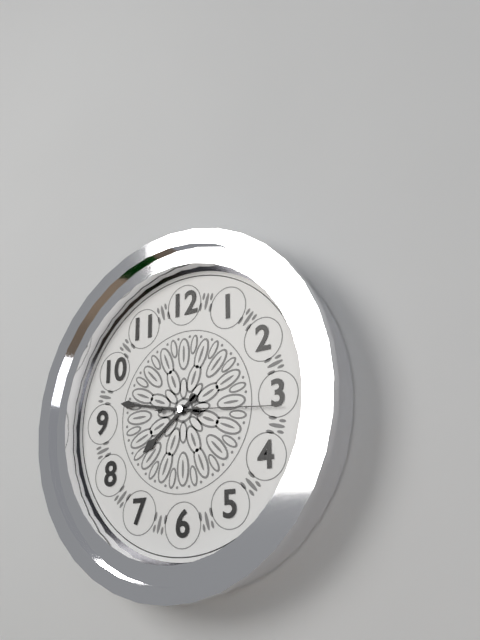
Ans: 7:47:16
